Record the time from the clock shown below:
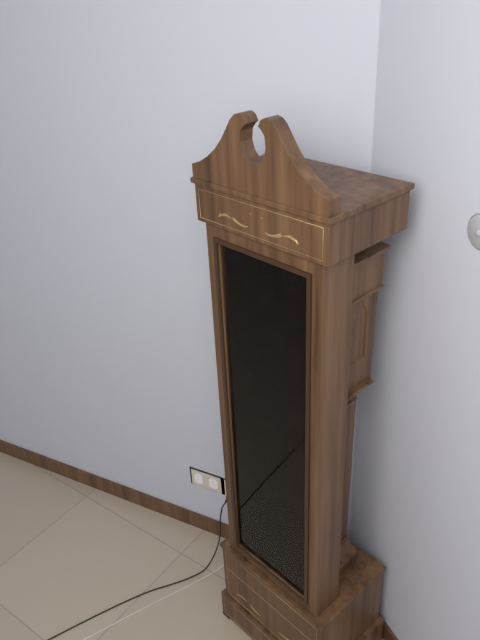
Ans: 9:21
